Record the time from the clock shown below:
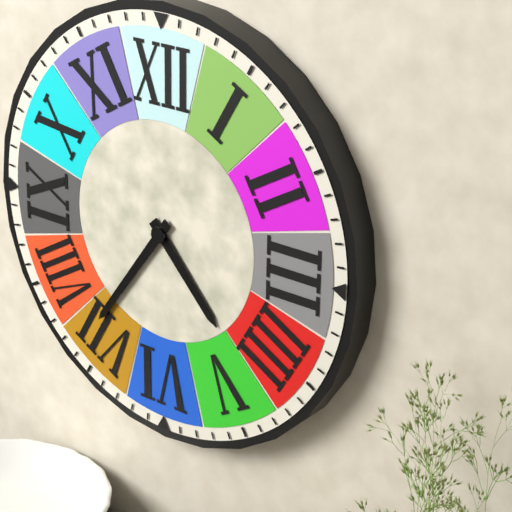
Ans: 4:36
